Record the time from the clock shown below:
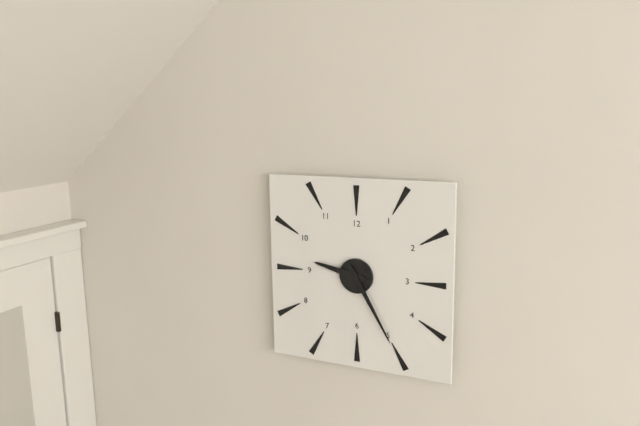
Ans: 9:25
